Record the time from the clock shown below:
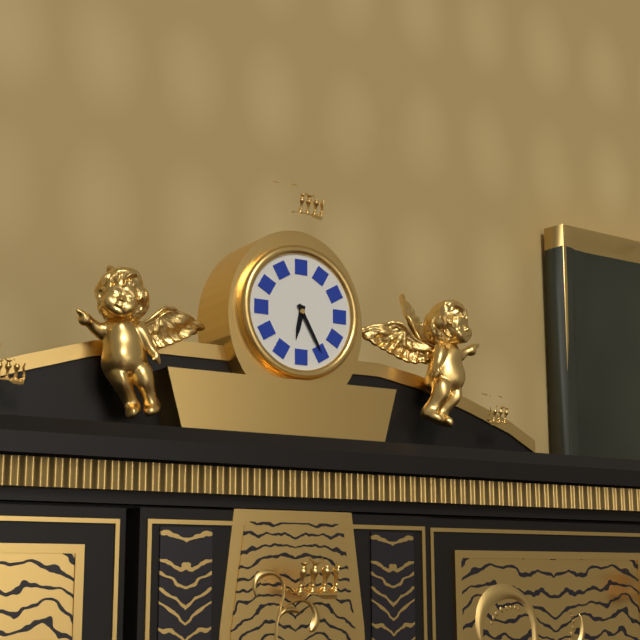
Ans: 6:25
